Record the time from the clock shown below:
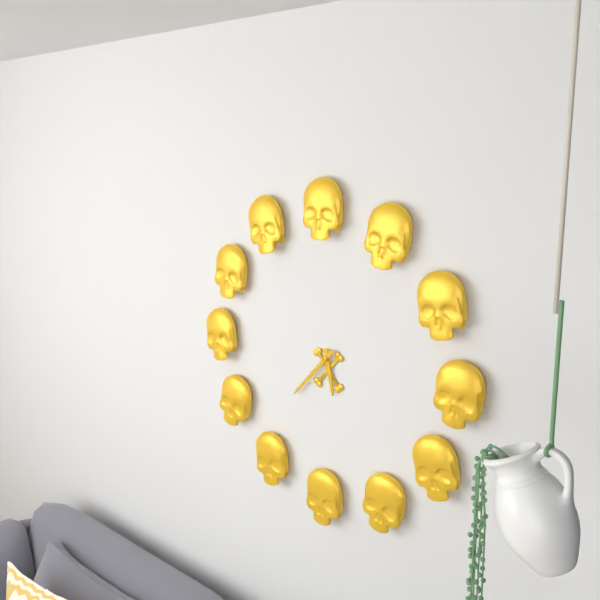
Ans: 5:37
